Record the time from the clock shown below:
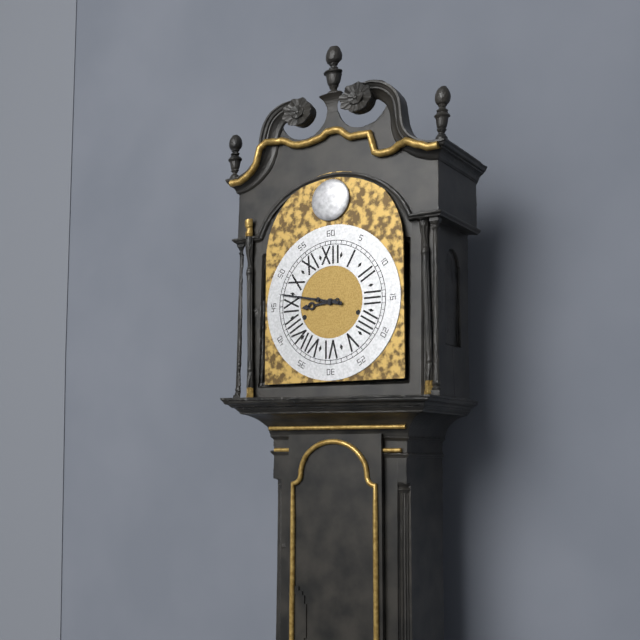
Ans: 8:47
